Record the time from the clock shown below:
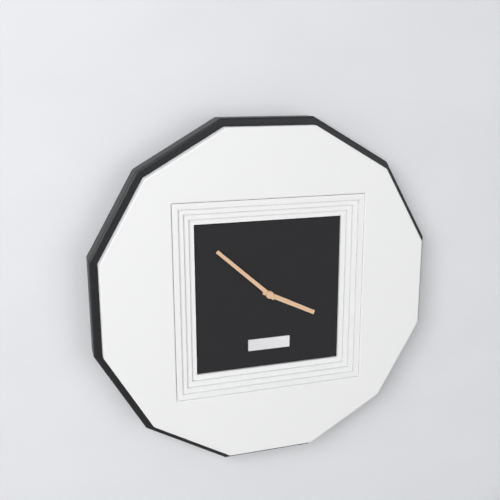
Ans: 3:52
